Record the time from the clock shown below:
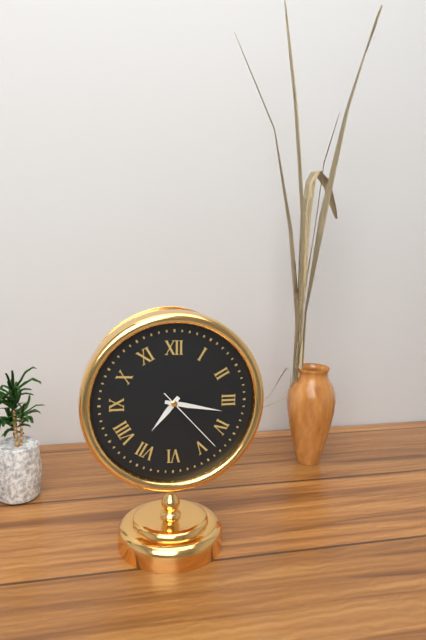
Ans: 7:17:23
